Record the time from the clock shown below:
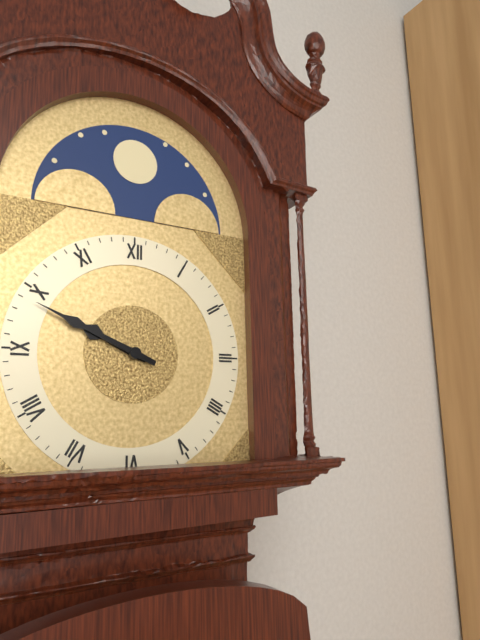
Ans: 9:49
